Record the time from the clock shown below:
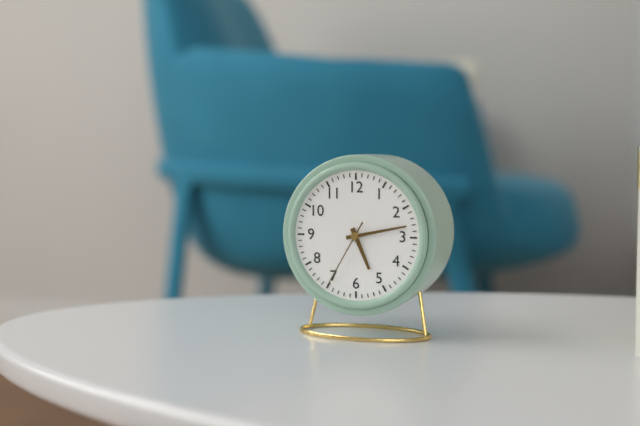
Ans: 5:13:35
